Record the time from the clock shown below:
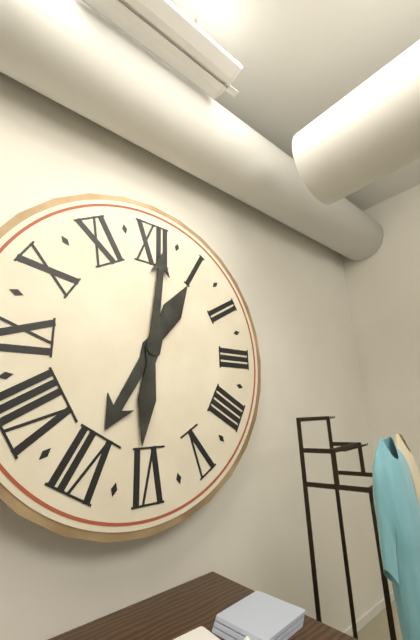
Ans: 7:01
